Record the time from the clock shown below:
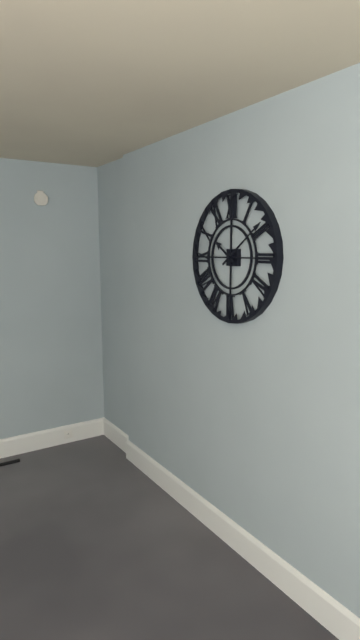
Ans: 10:09
